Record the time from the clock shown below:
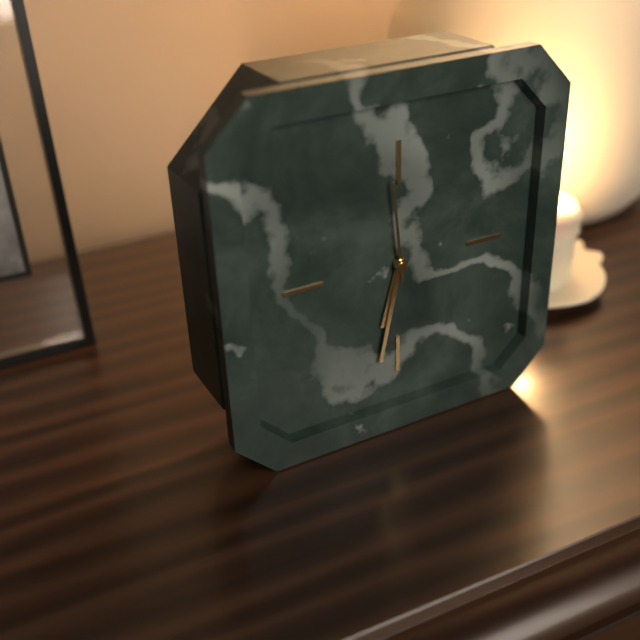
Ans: 6:32:59
